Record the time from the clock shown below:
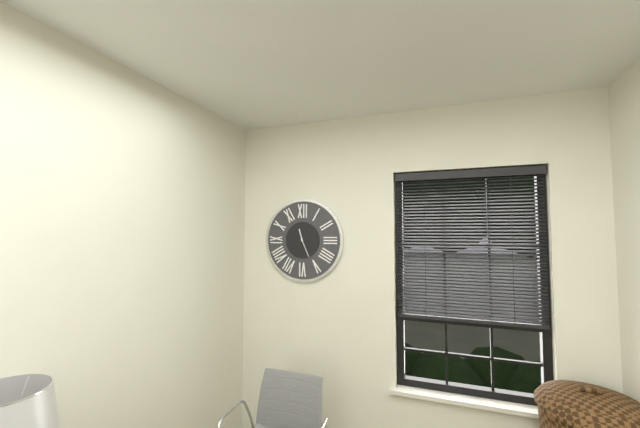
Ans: 11:26
